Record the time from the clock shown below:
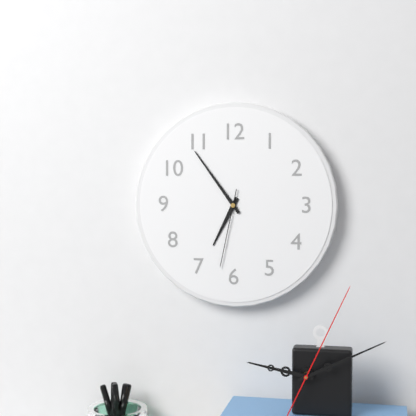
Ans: 6:54:32
